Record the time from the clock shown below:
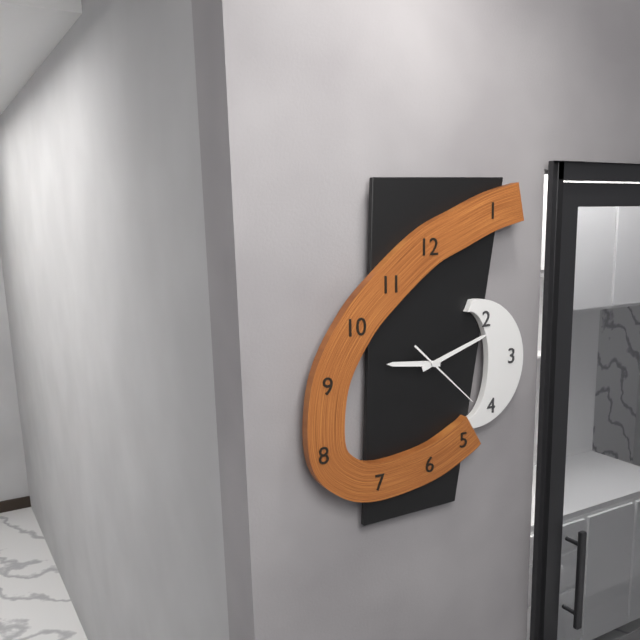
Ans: 9:12:22
